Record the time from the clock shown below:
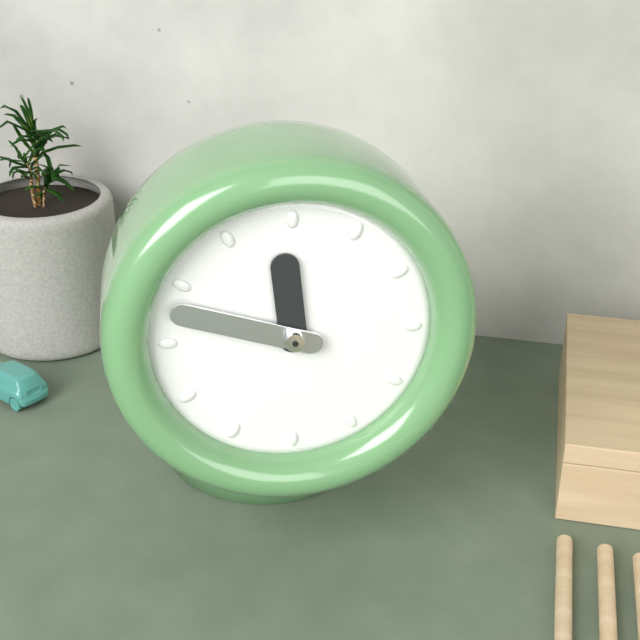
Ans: 11:48
